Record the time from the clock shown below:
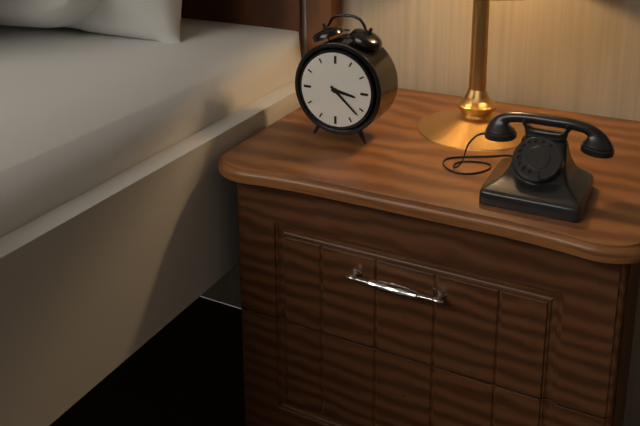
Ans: 3:22
